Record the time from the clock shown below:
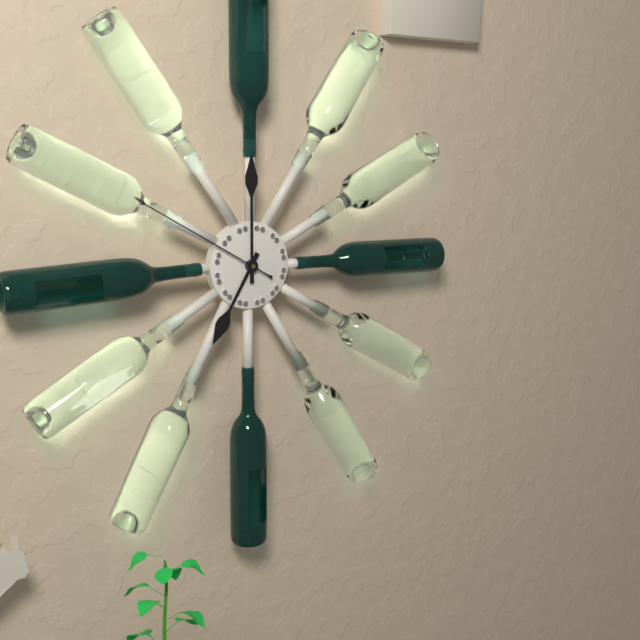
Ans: 7:00:50
